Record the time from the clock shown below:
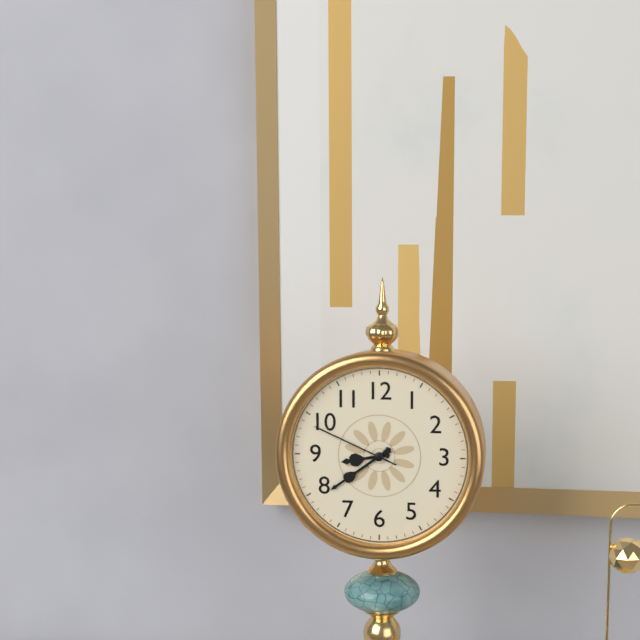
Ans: 8:39:49
